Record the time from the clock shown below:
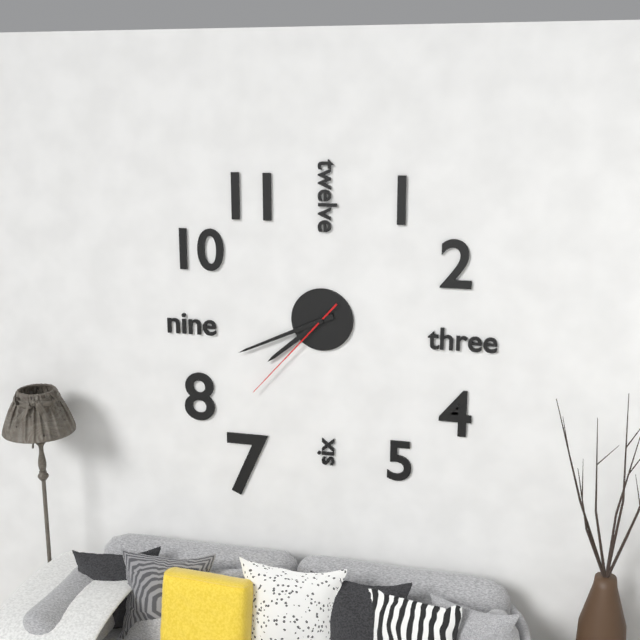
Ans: 7:41:37
